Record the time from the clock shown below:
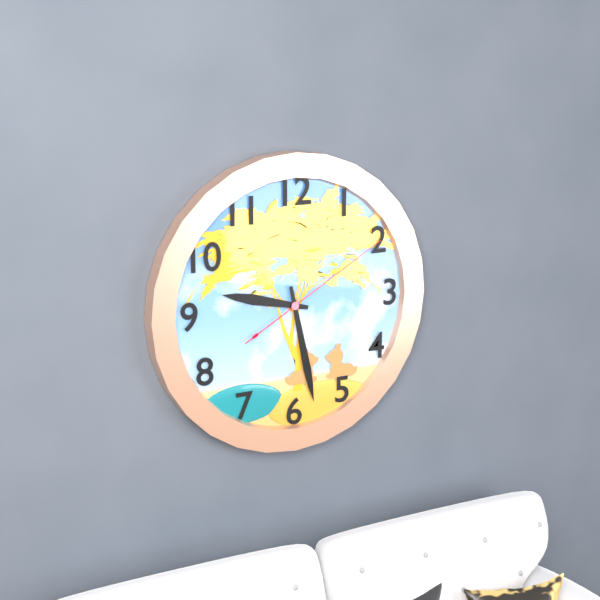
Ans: 9:28:10
